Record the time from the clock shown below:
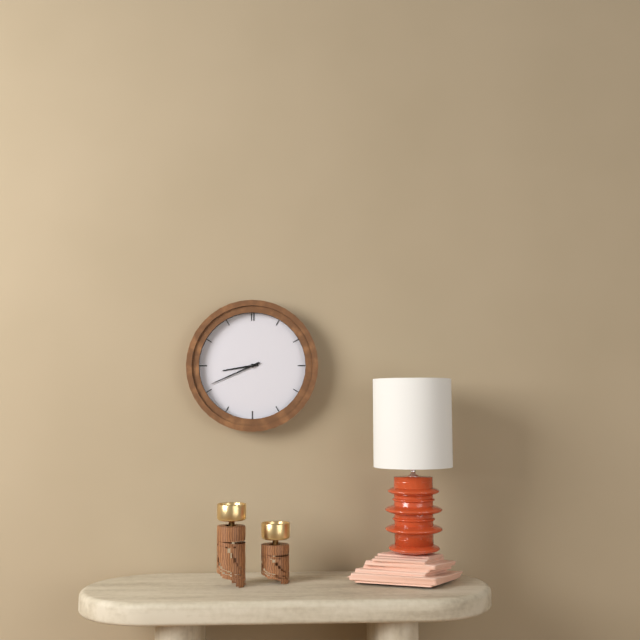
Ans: 8:41
